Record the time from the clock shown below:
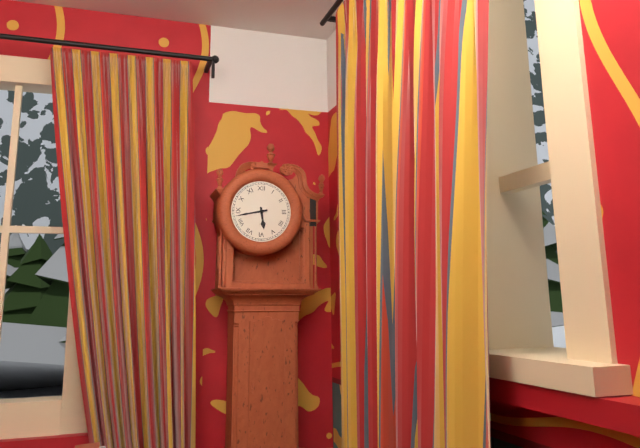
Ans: 5:43
